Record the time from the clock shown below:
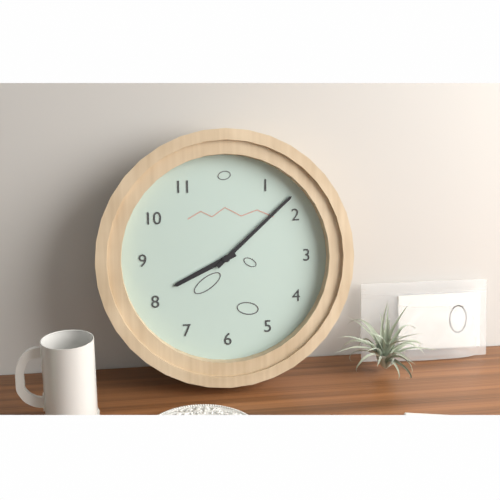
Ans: 8:08
